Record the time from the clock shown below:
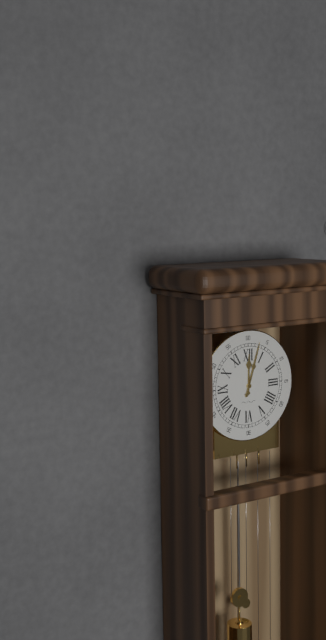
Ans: 12:03
